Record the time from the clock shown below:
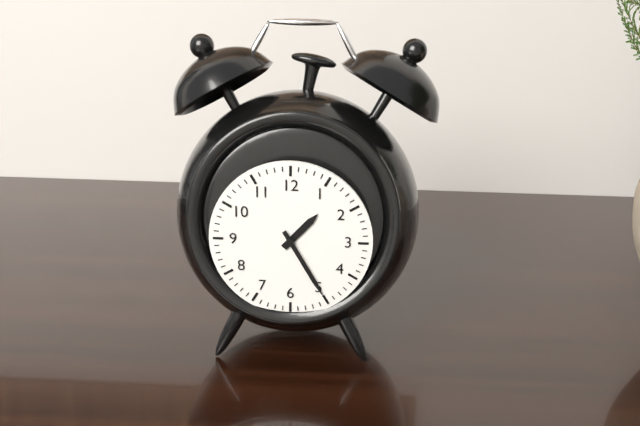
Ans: 1:25
